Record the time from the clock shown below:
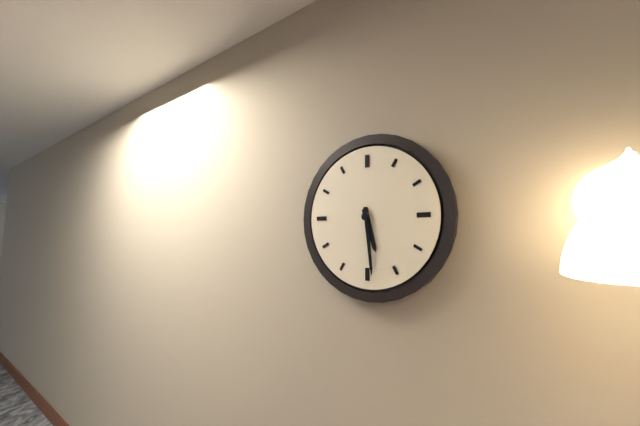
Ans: 5:29
